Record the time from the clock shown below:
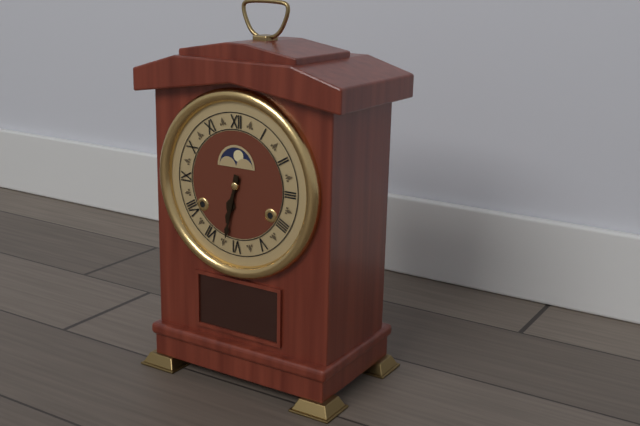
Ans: 6:32
